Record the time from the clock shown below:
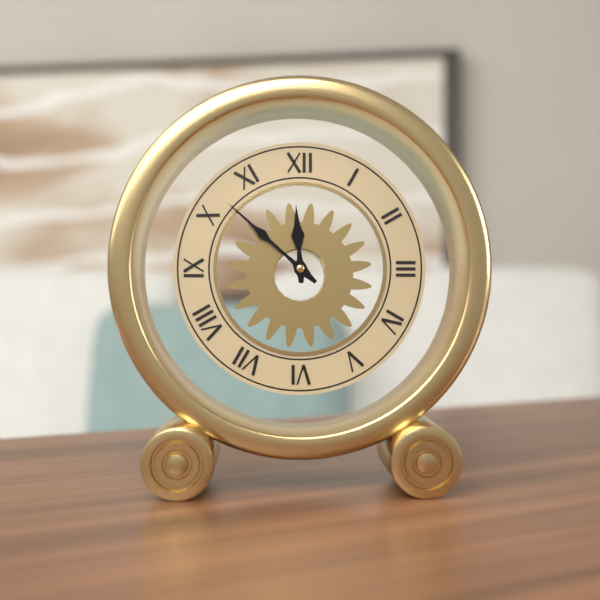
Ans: 11:52
